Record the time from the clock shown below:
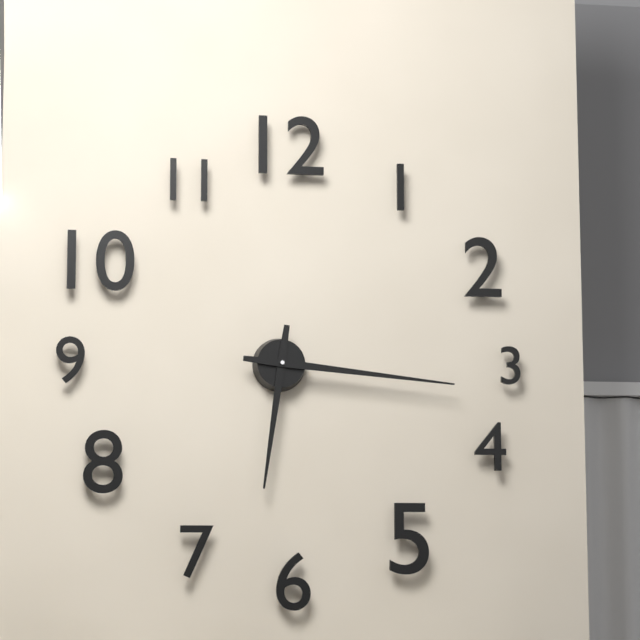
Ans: 6:16
